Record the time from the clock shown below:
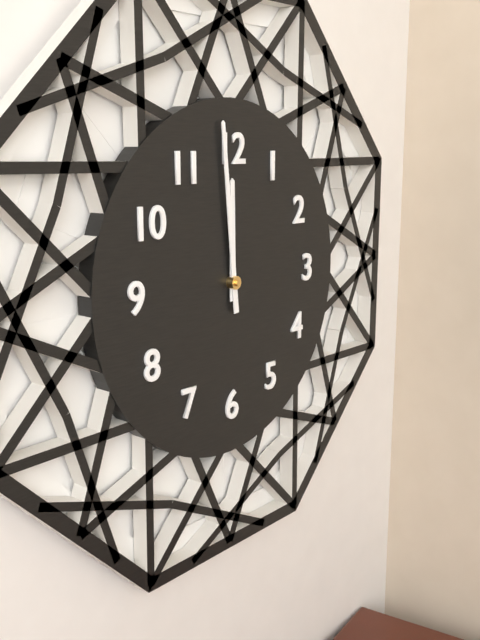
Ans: 11:59
